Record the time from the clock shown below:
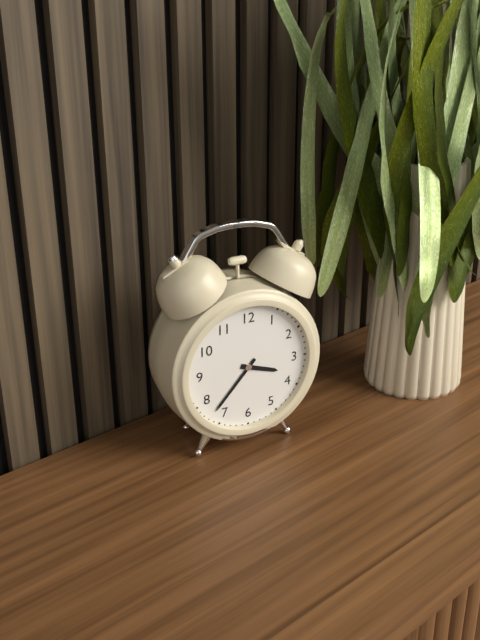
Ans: 3:37
